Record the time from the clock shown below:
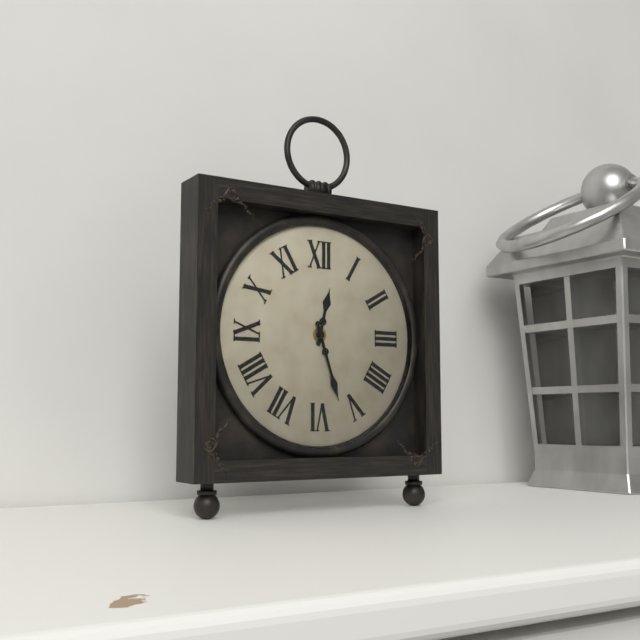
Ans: 12:27
